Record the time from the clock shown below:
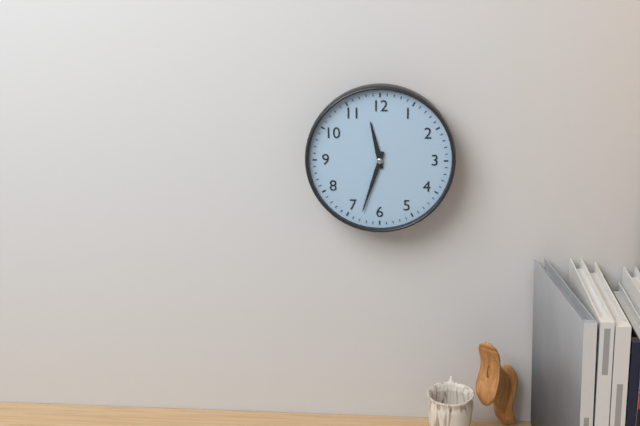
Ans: 11:33
